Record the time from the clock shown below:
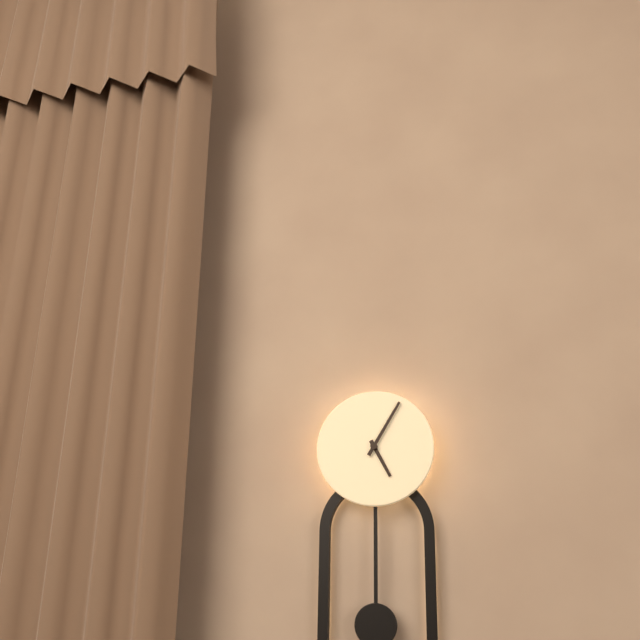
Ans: 5:05
